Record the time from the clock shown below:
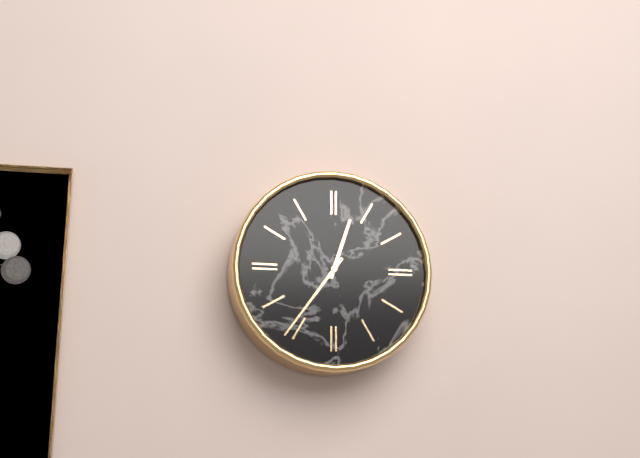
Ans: 12:36
